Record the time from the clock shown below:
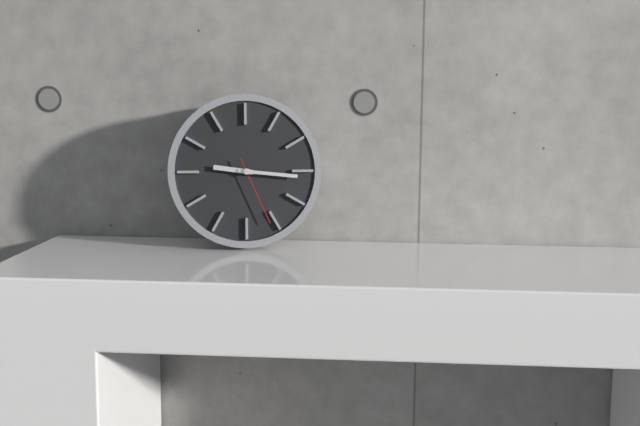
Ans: 9:16:26
